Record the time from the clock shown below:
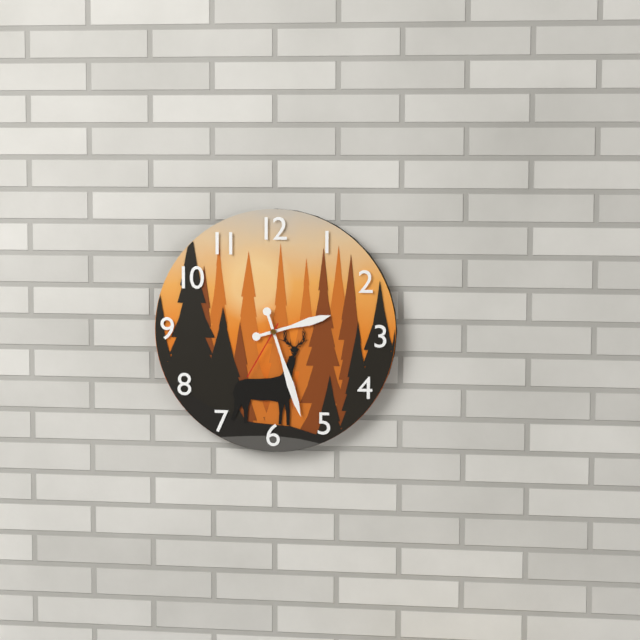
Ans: 2:27:35
